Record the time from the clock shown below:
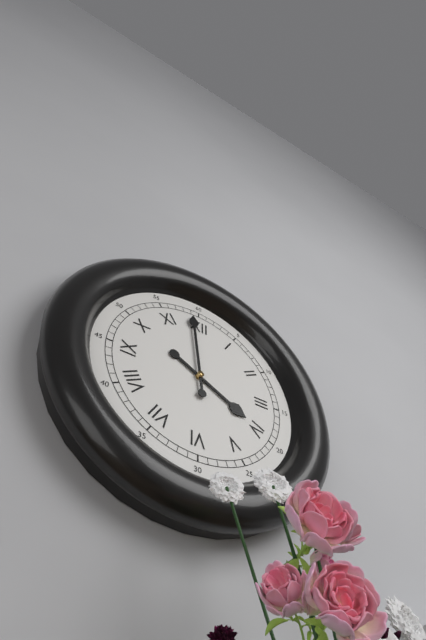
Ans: 3:59
